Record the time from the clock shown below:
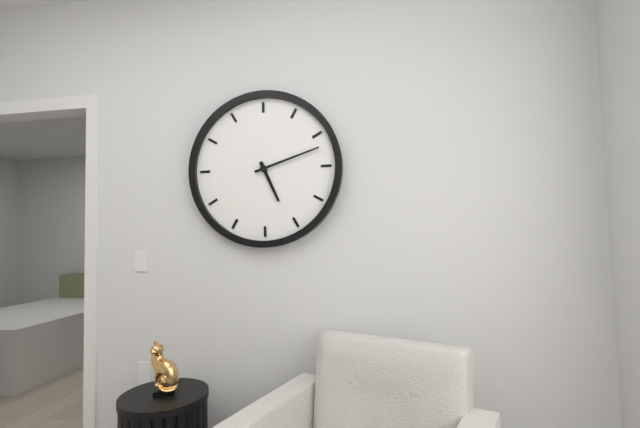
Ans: 5:12
